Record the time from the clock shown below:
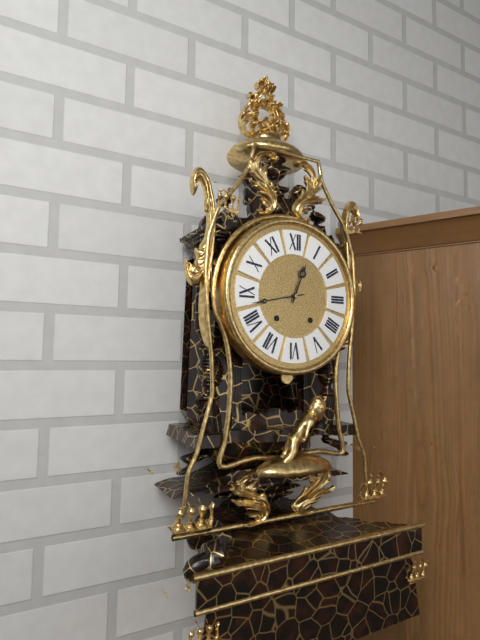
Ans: 12:43
